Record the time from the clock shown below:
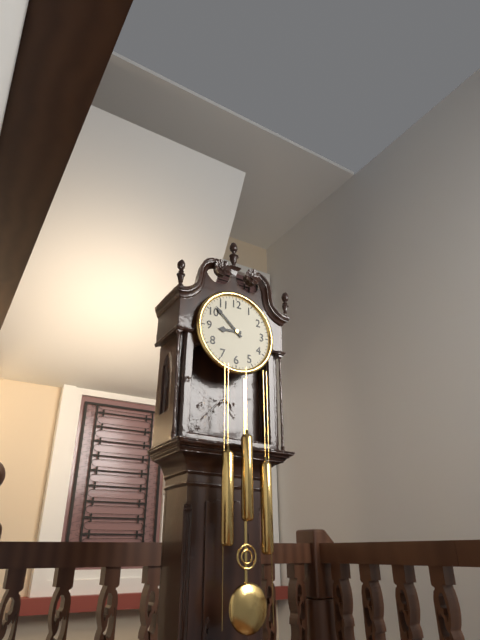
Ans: 8:52
